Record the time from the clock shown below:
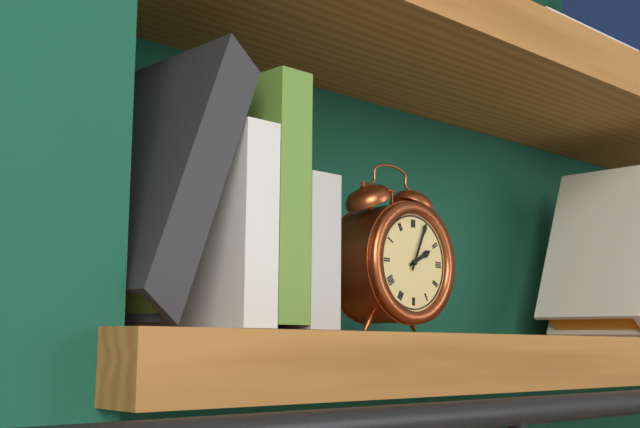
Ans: 2:04
